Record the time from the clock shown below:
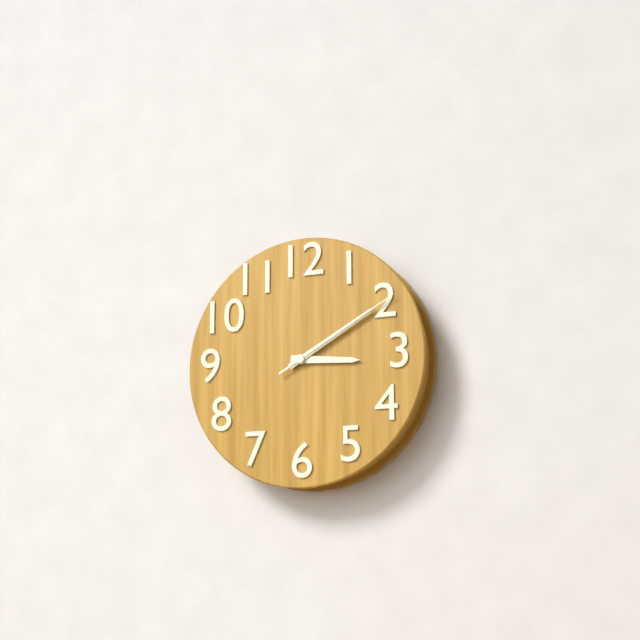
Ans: 3:10:10
